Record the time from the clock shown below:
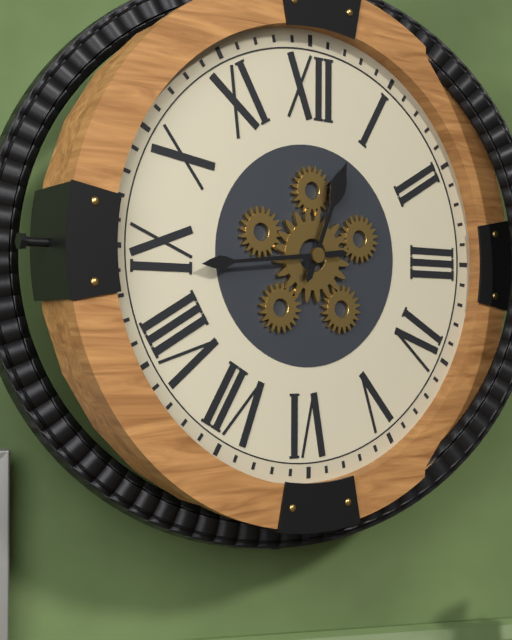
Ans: 12:44
